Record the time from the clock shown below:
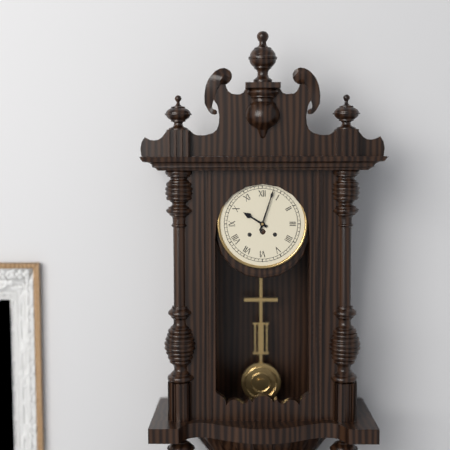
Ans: 10:03
